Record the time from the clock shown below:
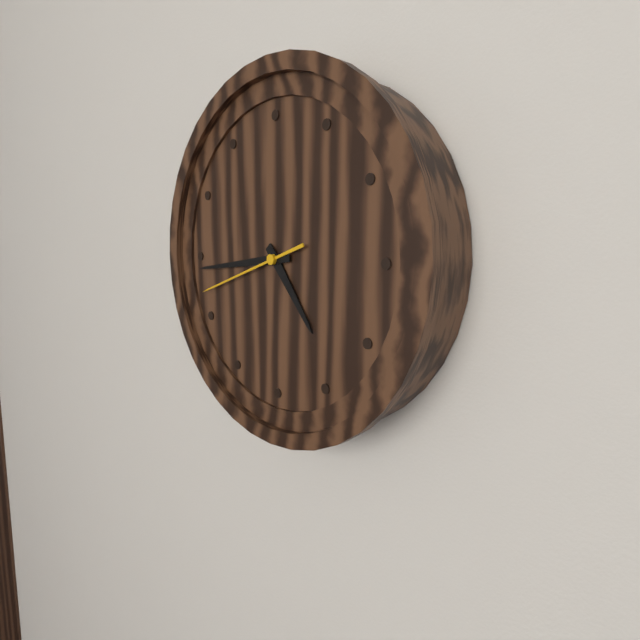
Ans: 4:44:42
